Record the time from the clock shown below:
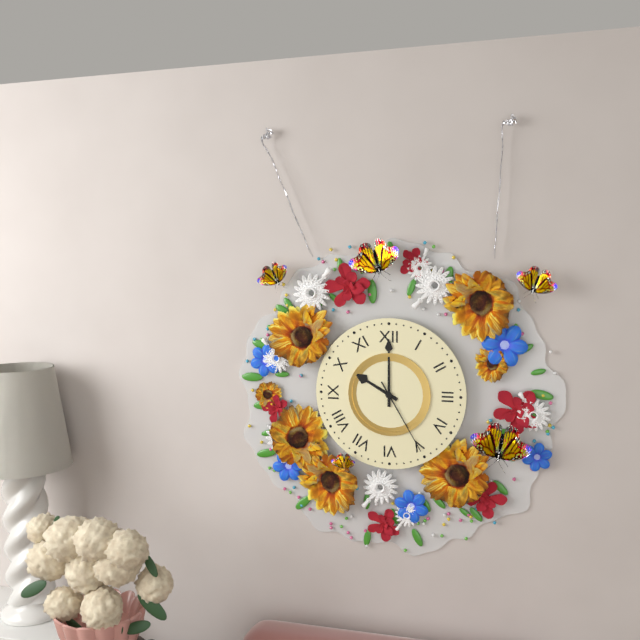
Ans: 10:00:25
